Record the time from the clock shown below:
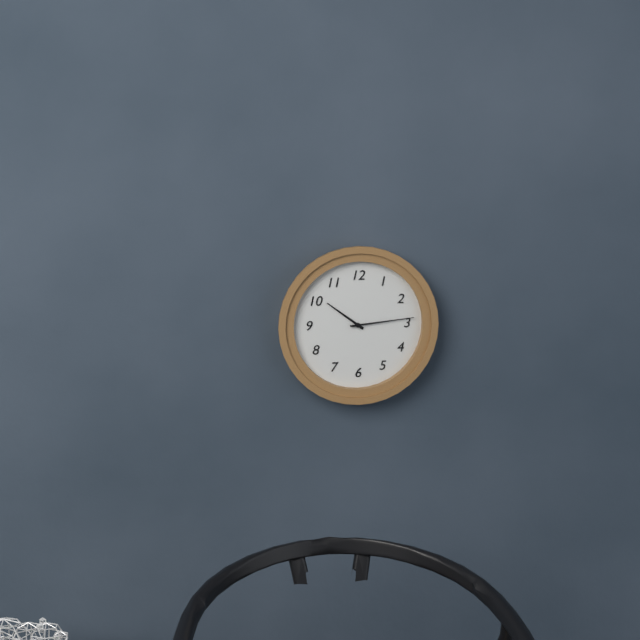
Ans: 10:14
